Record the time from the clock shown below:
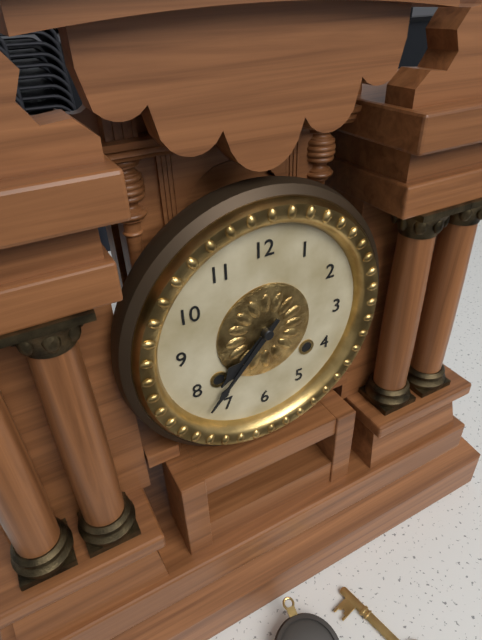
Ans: 7:37
